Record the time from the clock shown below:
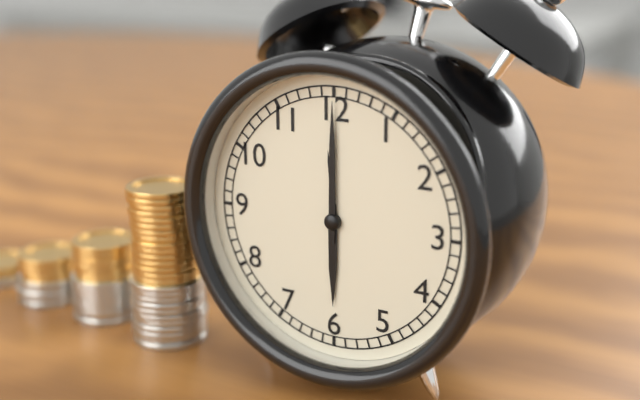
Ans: 6:00
